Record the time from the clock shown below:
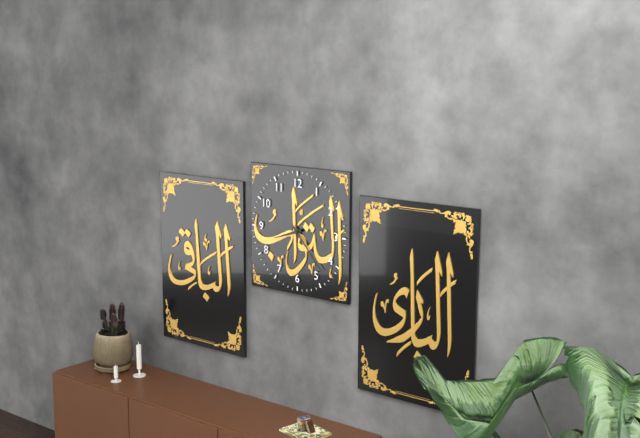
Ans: 8:23
